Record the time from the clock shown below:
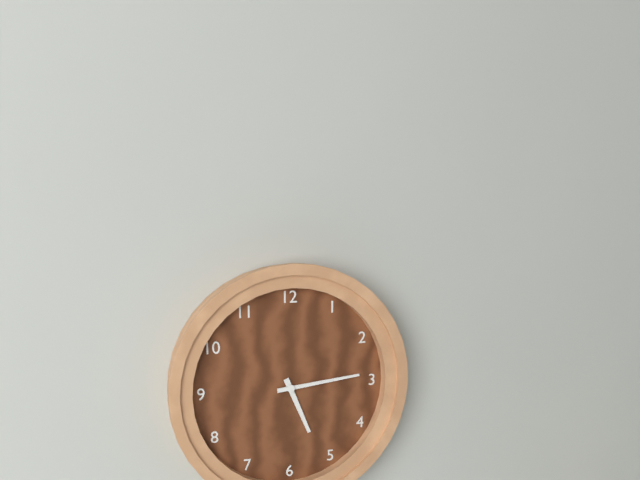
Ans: 5:14
